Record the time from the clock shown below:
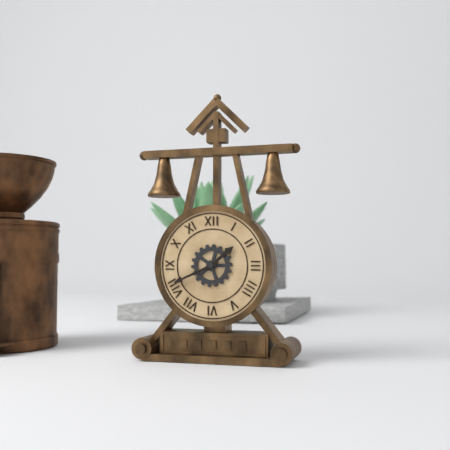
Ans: 1:41
